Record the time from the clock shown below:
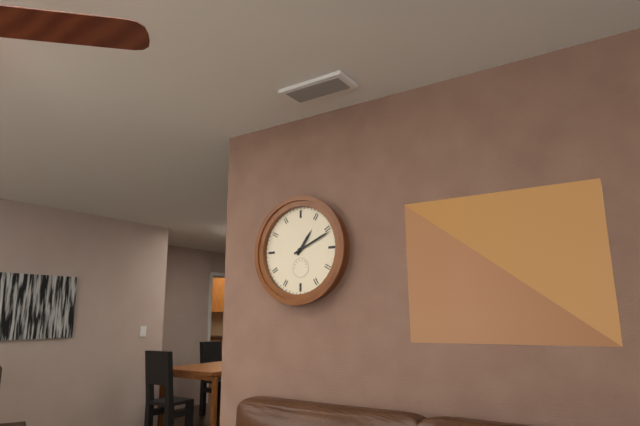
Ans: 1:11
